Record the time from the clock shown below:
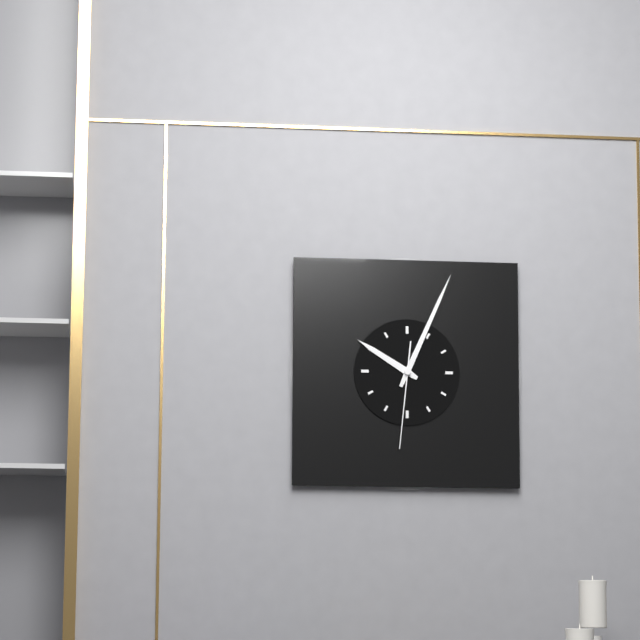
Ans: 10:04:31
